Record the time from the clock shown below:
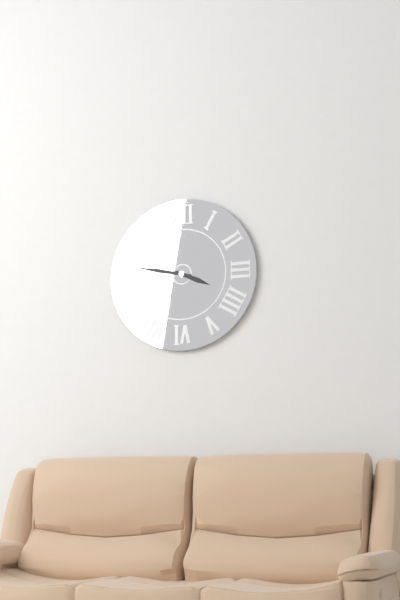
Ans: 3:47
